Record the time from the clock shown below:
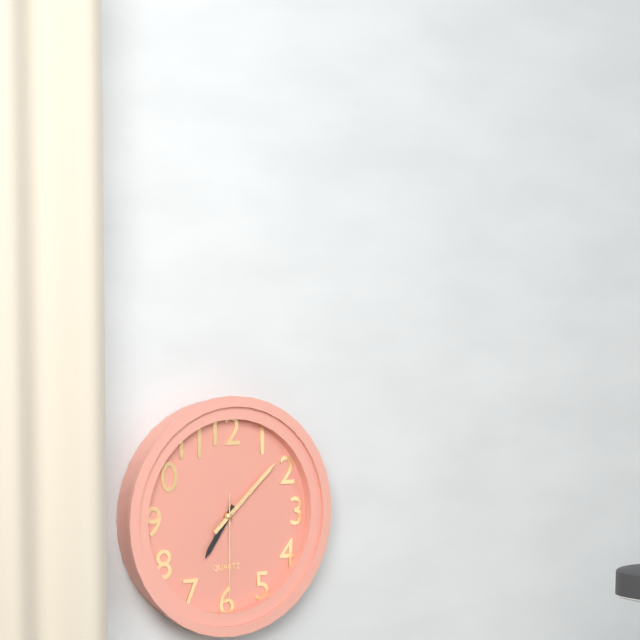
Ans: 7:08:30
